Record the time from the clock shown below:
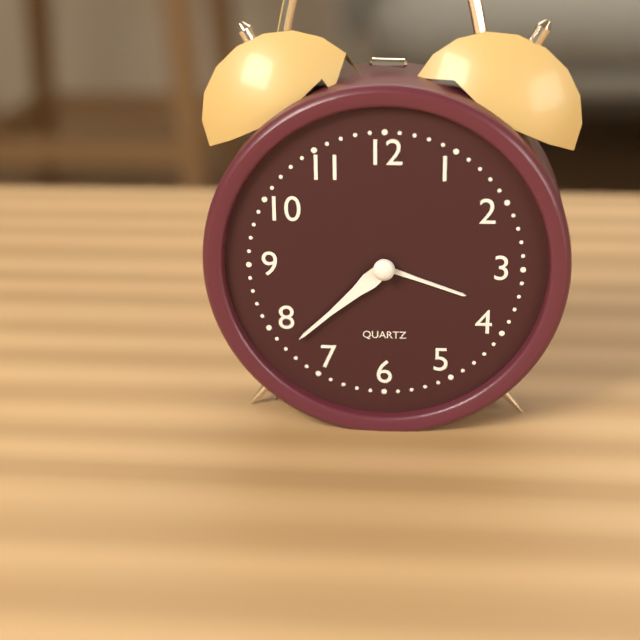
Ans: 3:38
